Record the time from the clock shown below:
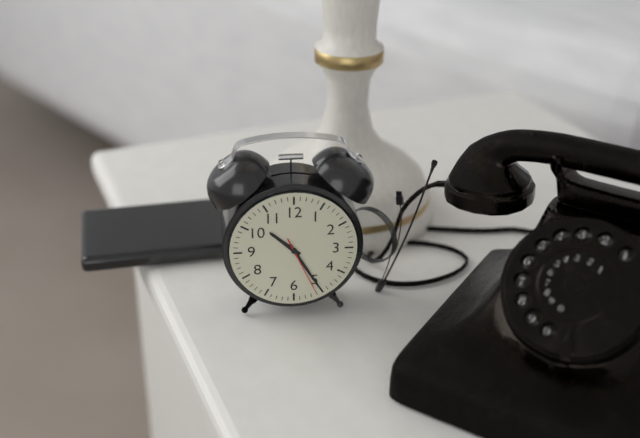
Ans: 10:25:26
